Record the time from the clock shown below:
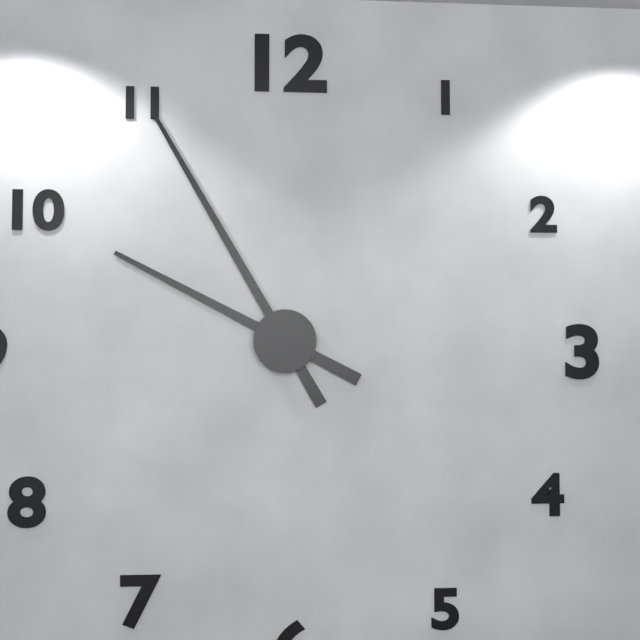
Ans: 9:55
